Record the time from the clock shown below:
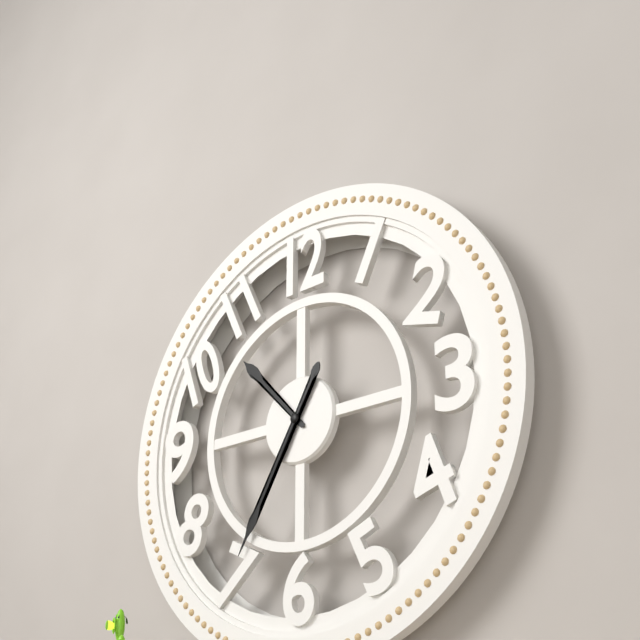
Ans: 10:35
